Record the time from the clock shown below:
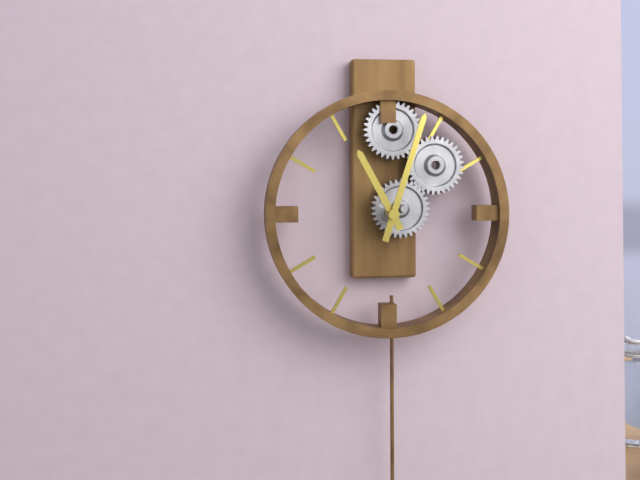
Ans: 11:03
